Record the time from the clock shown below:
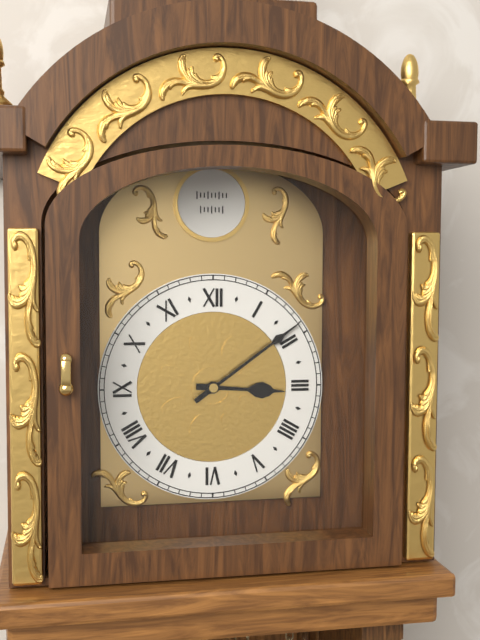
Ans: 3:09
